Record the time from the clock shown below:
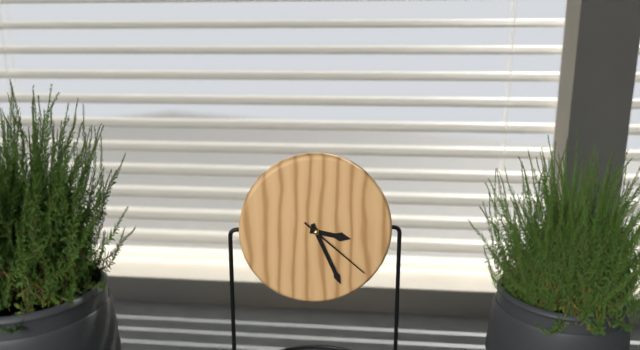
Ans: 3:26:22
